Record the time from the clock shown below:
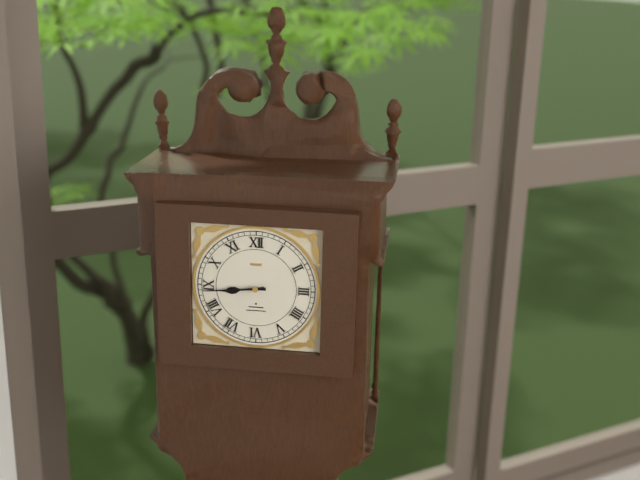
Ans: 8:44
